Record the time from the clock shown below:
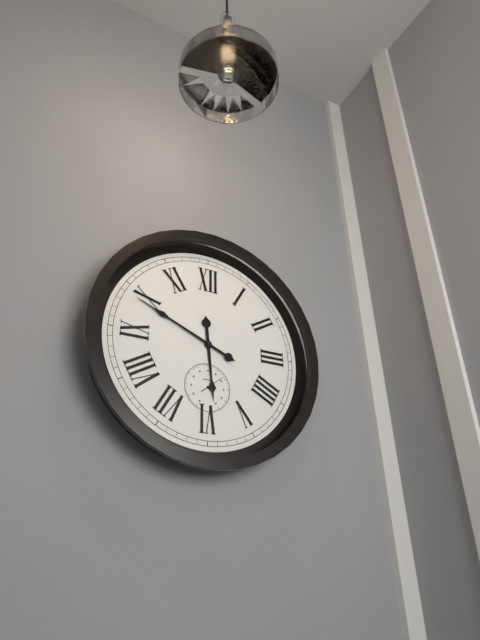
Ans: 5:49
